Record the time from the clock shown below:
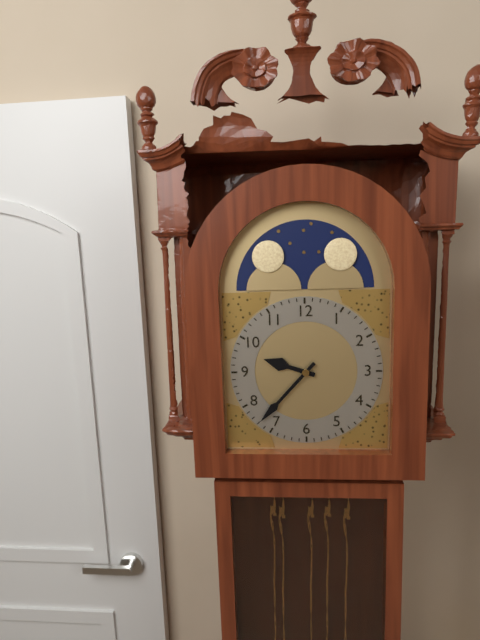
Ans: 9:37
